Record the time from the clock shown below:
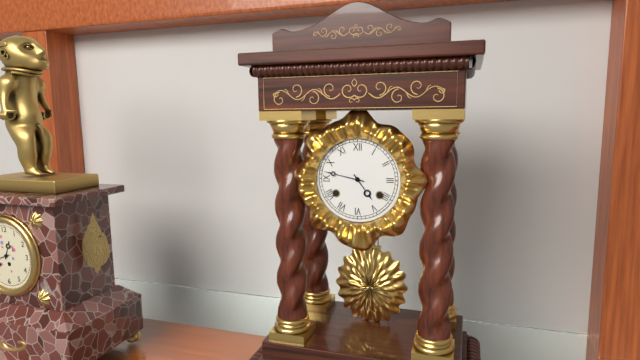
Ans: 4:47
